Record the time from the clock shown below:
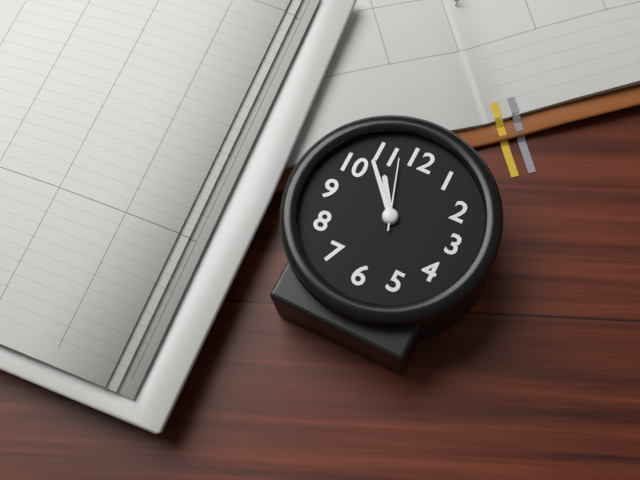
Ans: 10:53:57
